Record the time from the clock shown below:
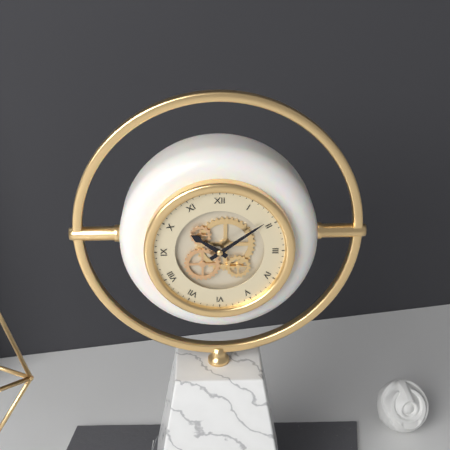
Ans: 10:09
